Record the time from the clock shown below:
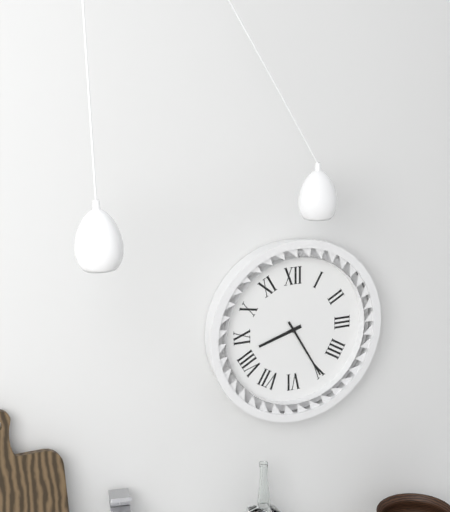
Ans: 8:25
